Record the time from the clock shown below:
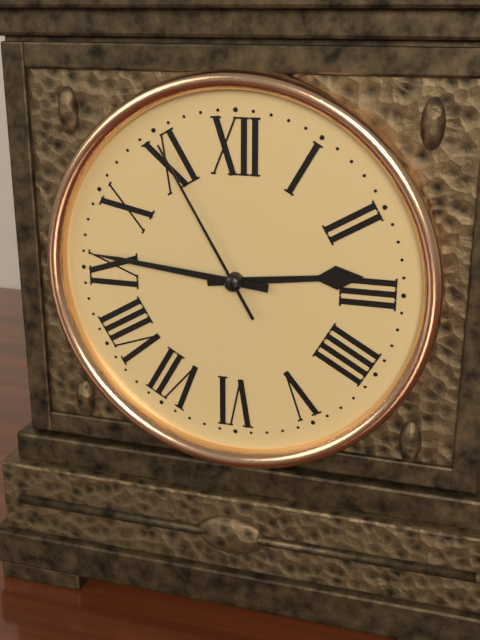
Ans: 2:46:55
